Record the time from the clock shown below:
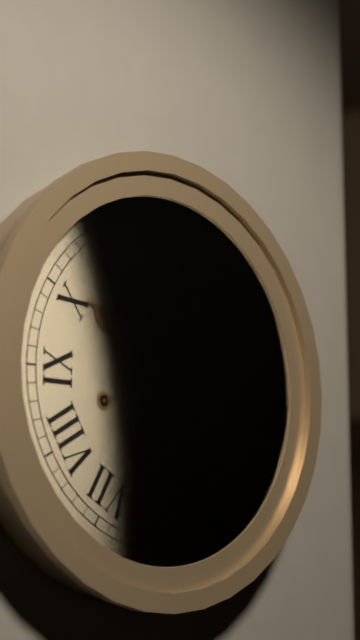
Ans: 10:51:59
